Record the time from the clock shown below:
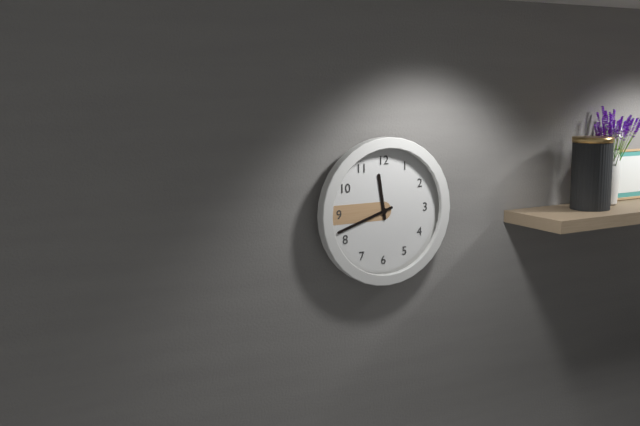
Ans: 11:42
